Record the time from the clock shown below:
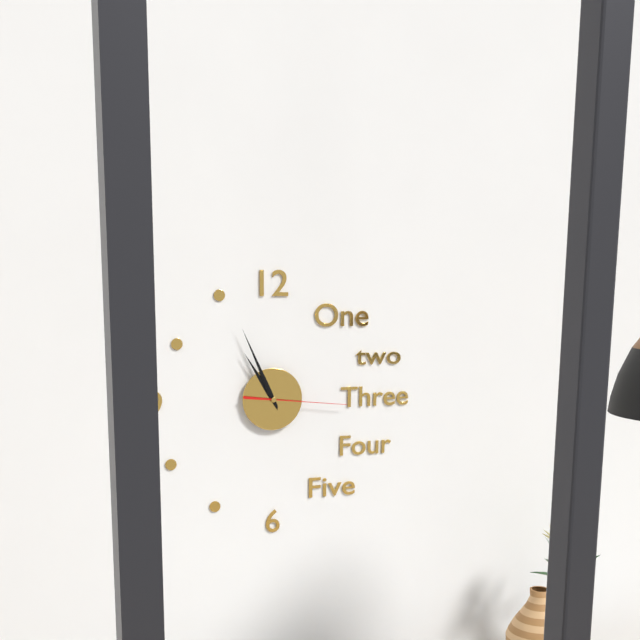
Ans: 10:56:16
